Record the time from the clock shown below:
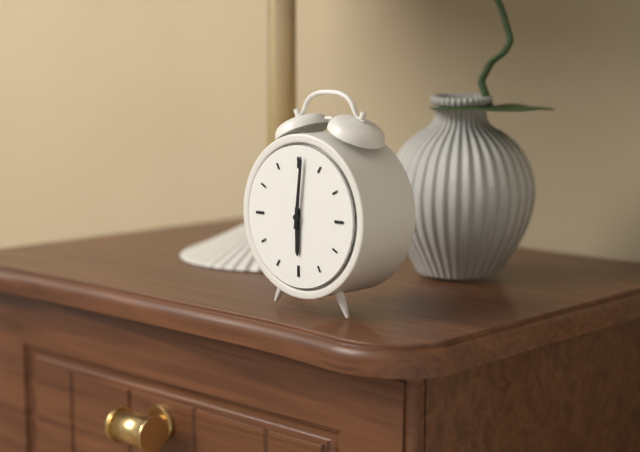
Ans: 6:01
